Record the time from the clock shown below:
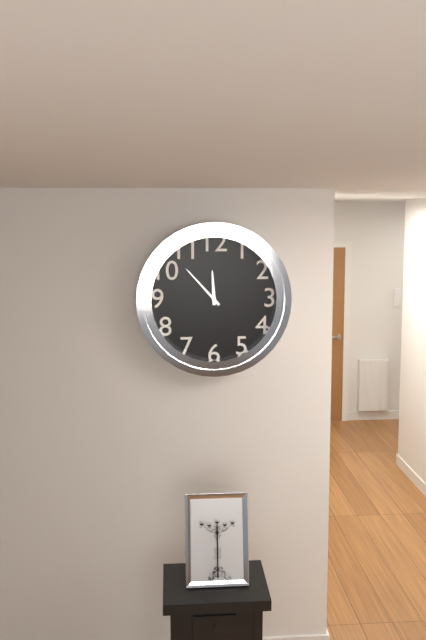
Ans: 11:53
